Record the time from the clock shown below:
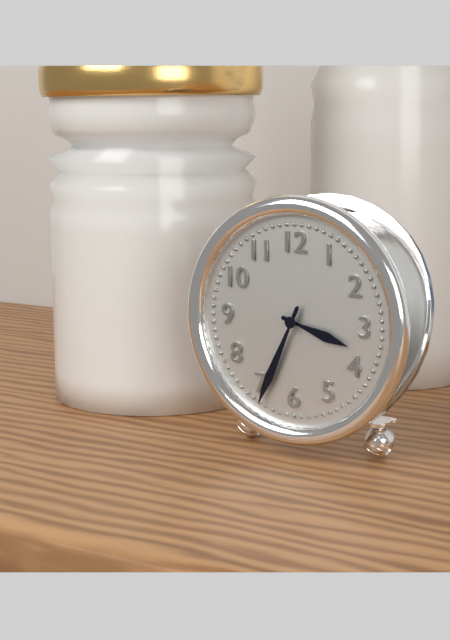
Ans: 3:34
